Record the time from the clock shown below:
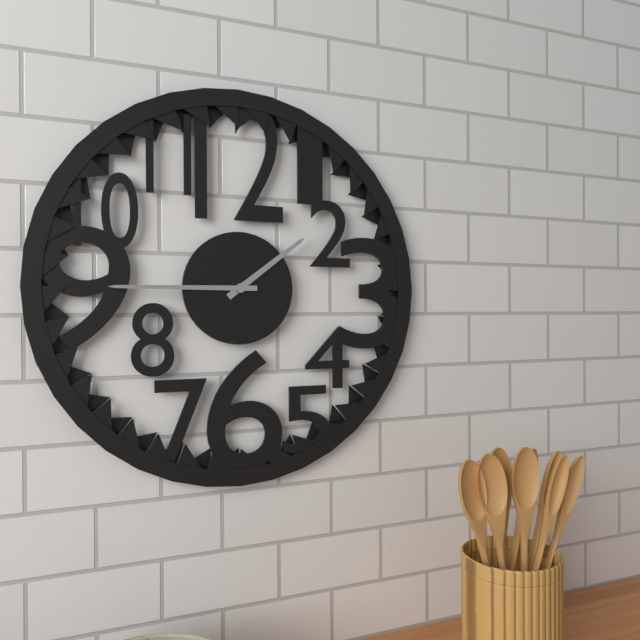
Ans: 1:45
